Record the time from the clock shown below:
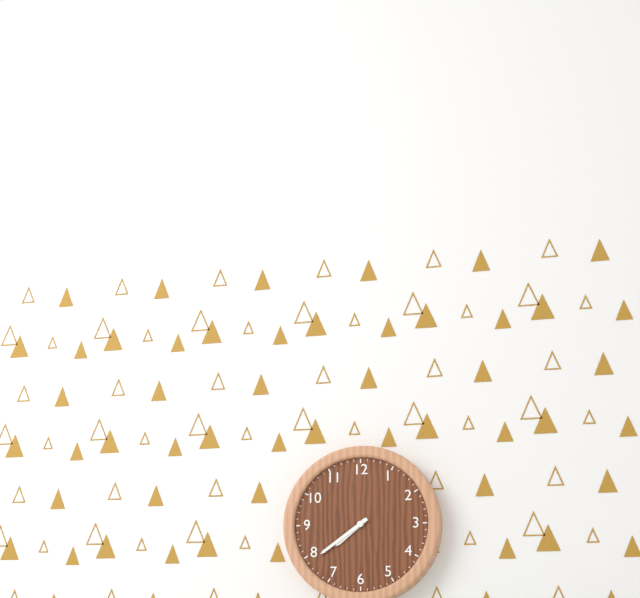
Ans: 7:39
